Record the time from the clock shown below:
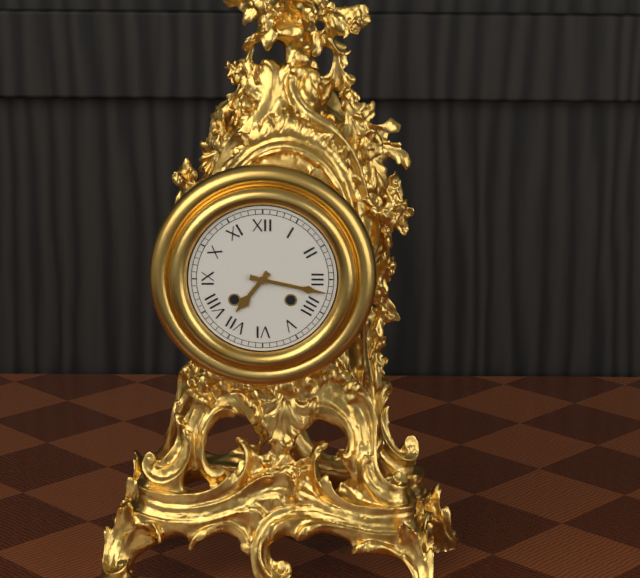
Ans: 7:17
